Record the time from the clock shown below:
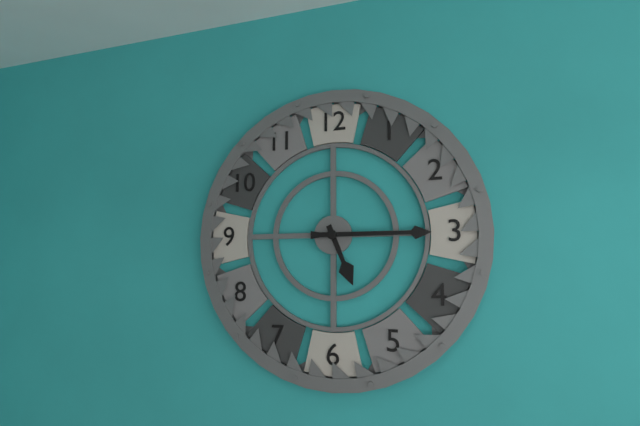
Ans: 5:15
